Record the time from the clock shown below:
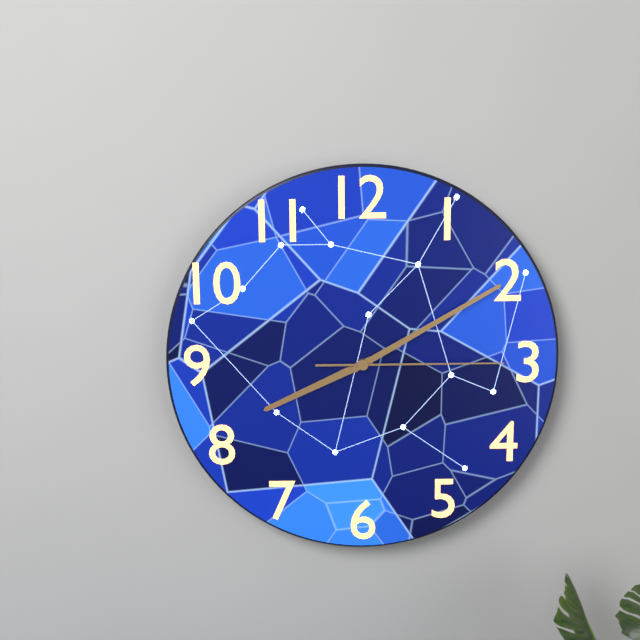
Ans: 8:10:15
